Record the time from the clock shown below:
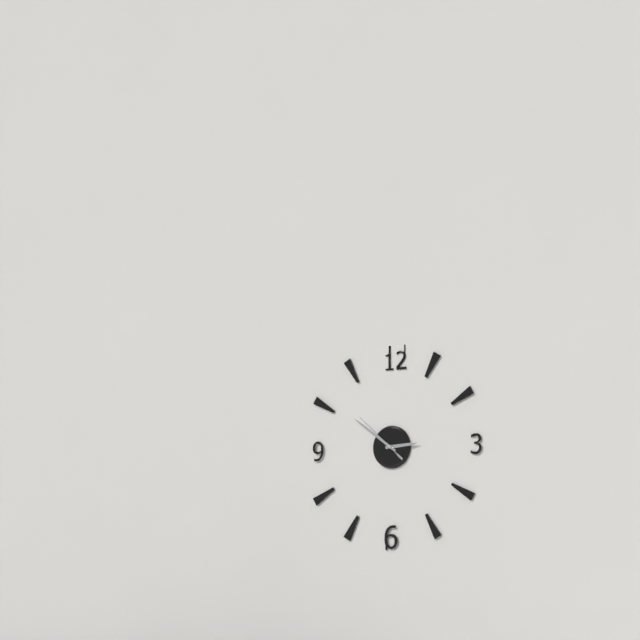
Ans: 2:51:52
